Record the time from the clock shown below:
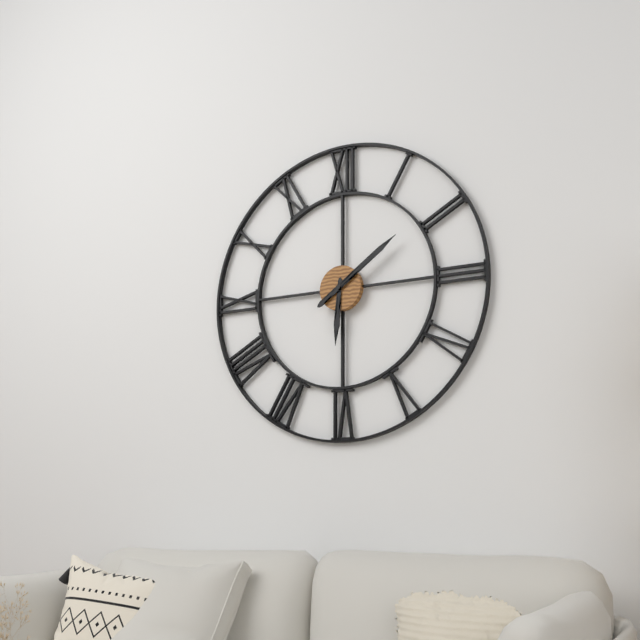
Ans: 6:09
